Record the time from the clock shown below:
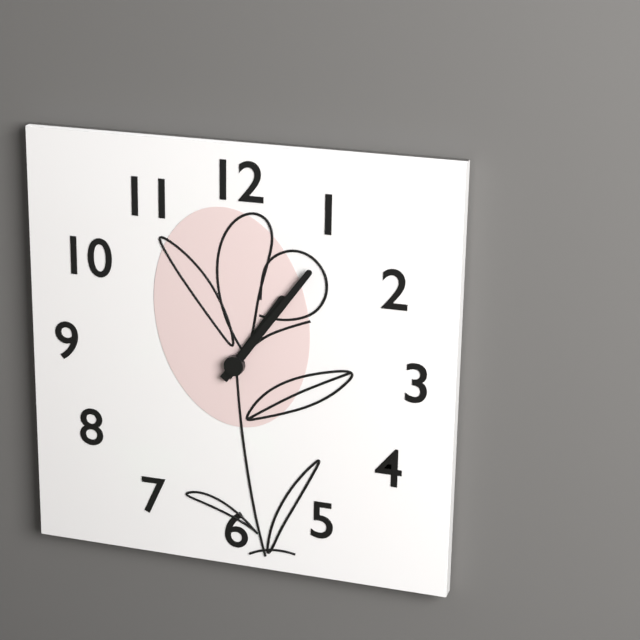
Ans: 1:06
